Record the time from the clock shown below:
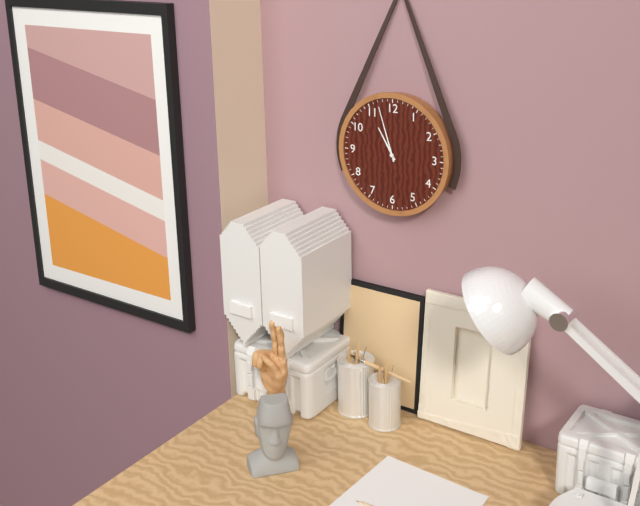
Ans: 10:57
